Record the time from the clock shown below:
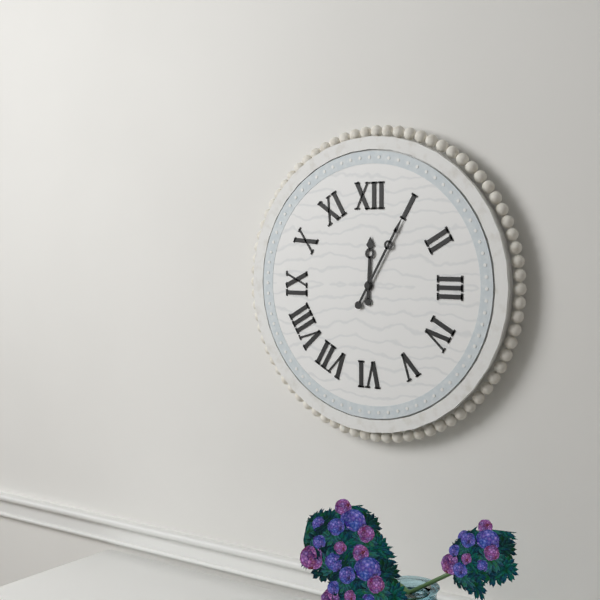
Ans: 12:05
